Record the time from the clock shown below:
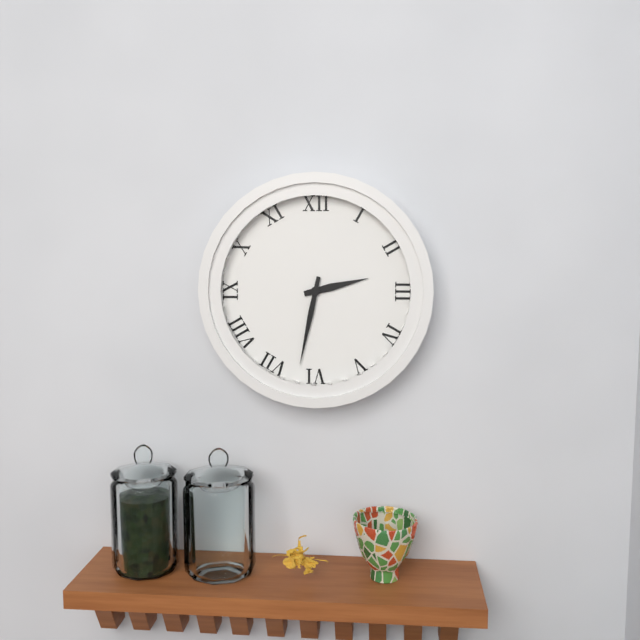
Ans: 2:32
